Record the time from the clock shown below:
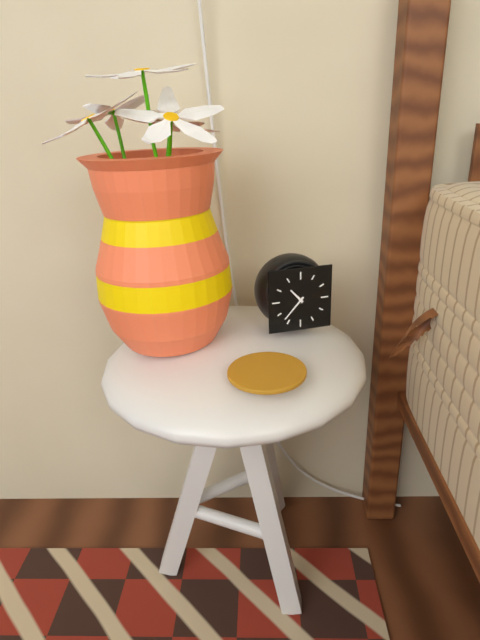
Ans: 10:37
